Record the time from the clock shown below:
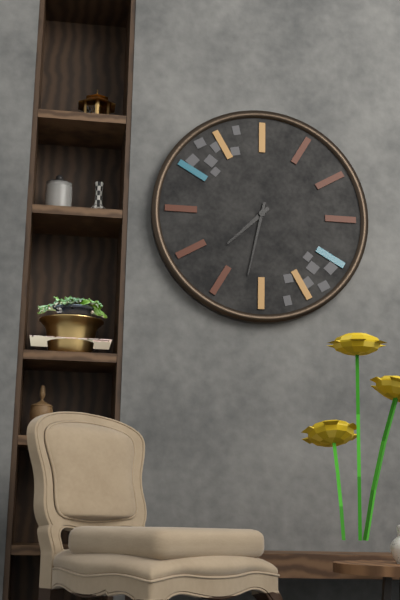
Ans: 7:32
